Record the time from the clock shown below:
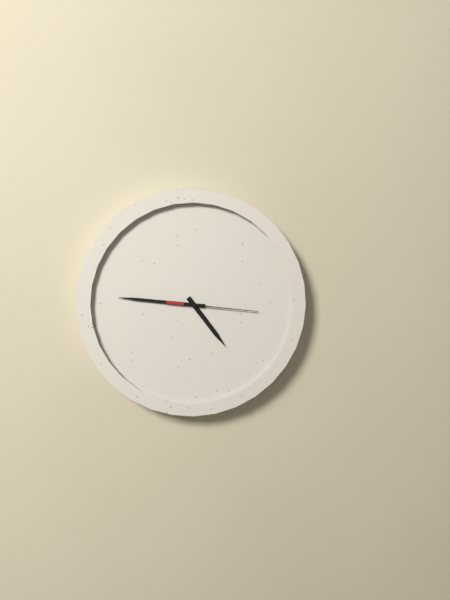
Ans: 4:46:16
